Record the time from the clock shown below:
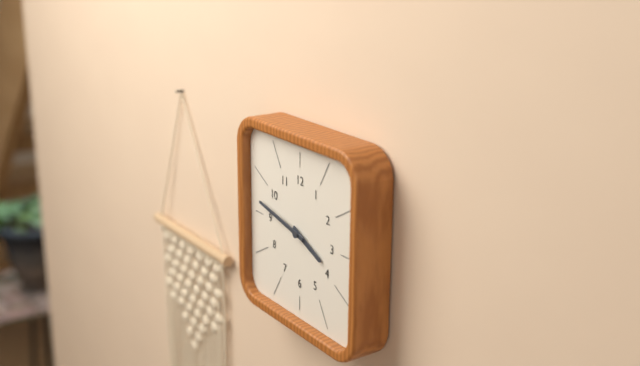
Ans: 3:47
